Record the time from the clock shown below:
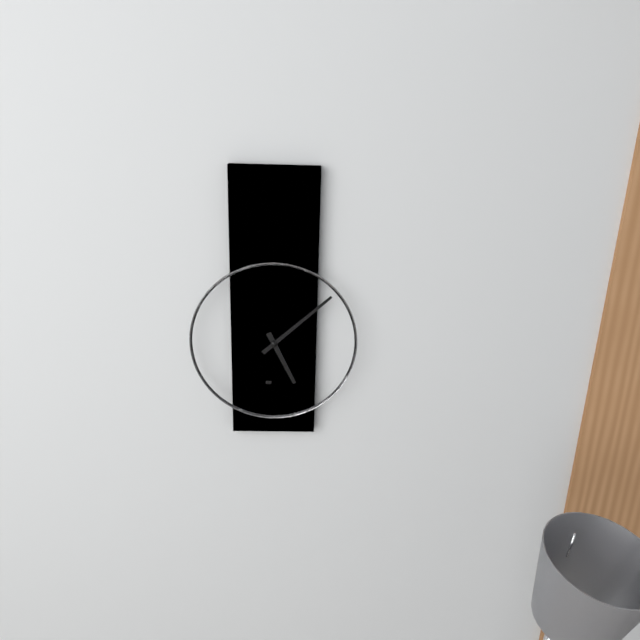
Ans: 5:08
